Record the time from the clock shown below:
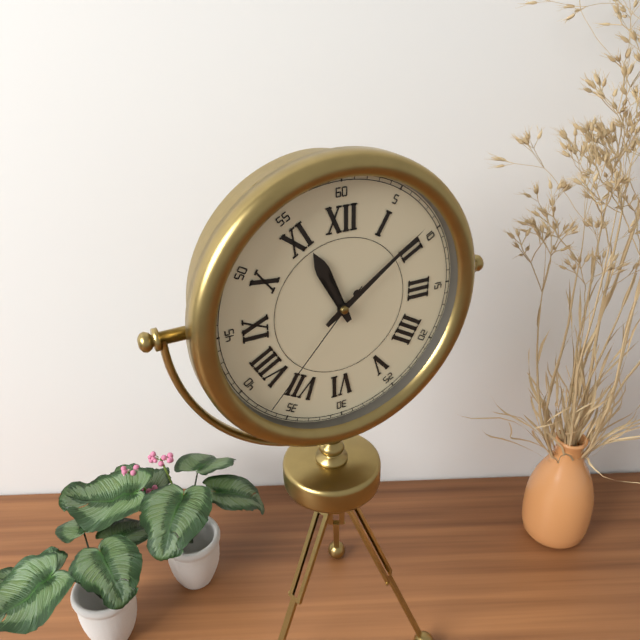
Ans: 11:09:37
